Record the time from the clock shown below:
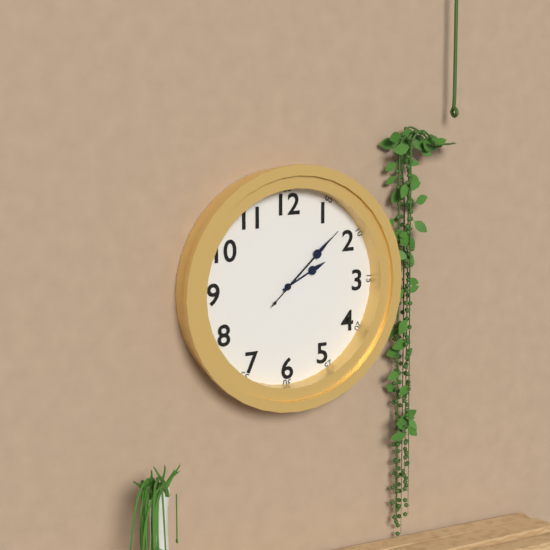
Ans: 2:08:08
